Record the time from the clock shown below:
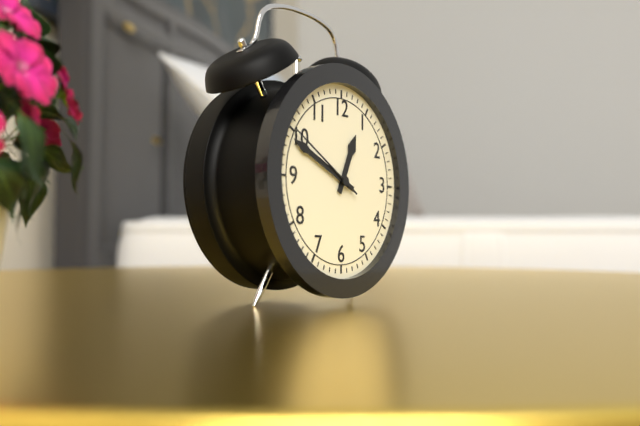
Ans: 12:49:50
